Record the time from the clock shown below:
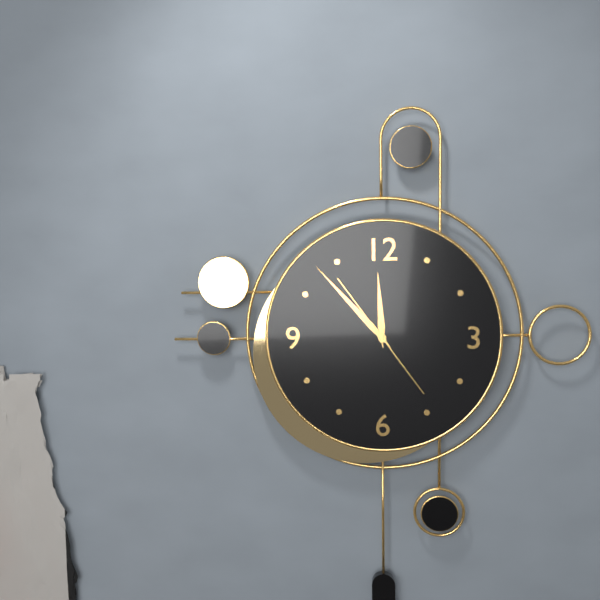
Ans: 11:53:54
